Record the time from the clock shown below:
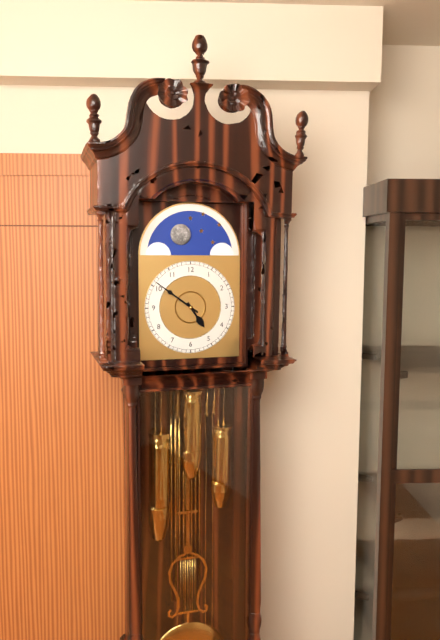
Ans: 4:51
